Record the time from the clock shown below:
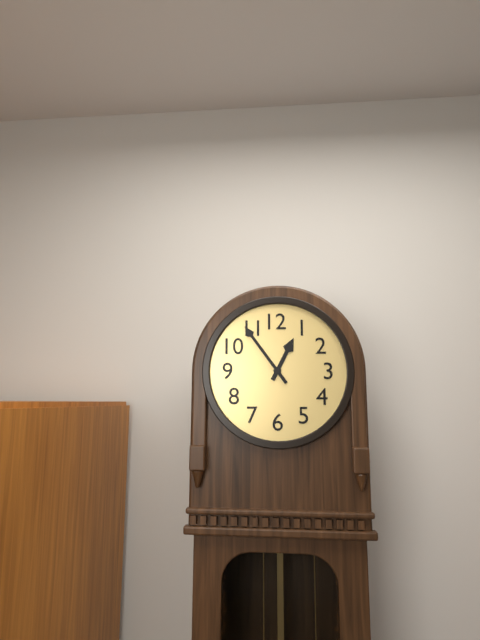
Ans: 12:54
